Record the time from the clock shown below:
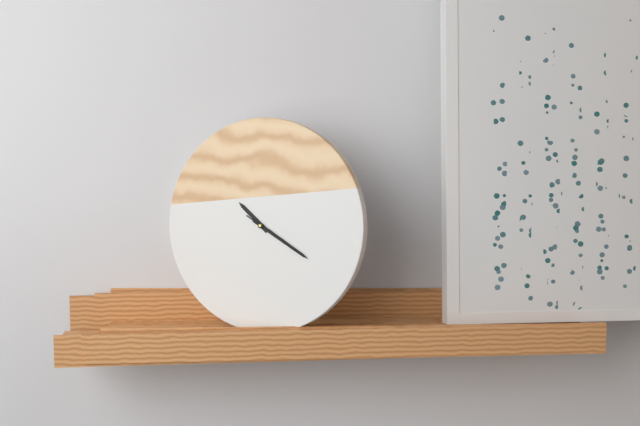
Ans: 10:20:20
